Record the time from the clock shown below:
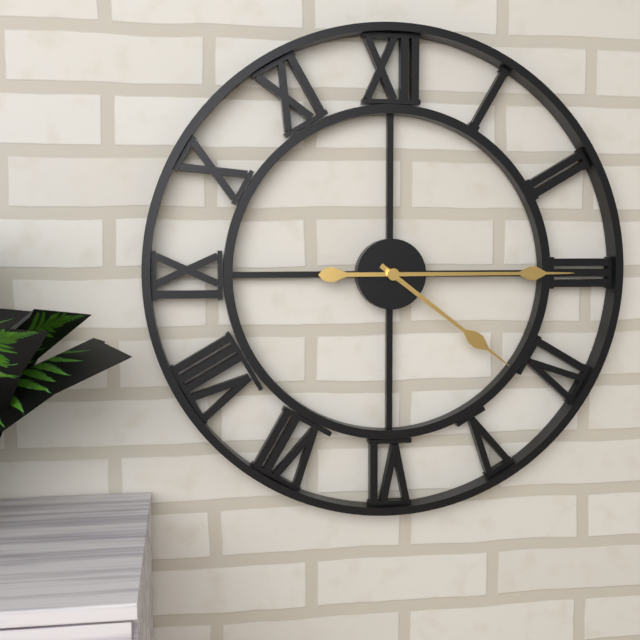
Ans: 4:15
